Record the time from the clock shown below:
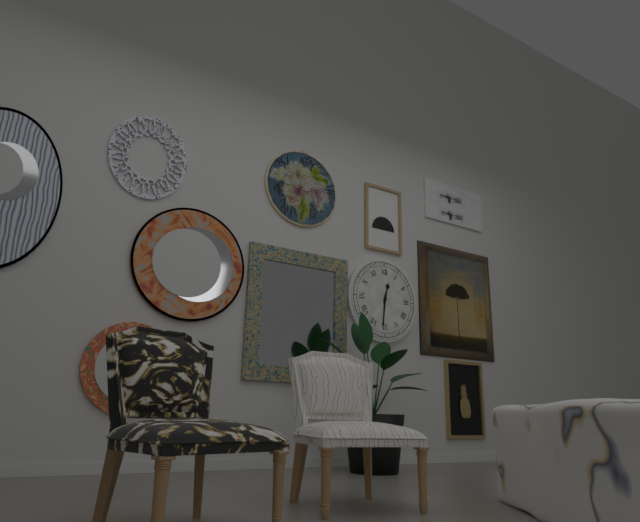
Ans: 12:31
